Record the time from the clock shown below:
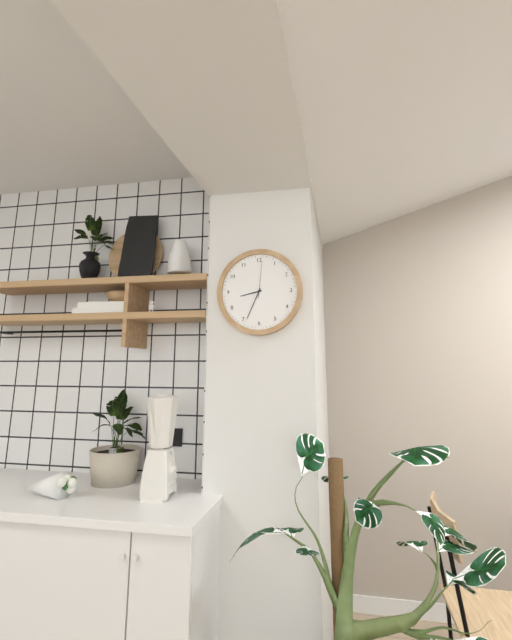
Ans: 8:34
